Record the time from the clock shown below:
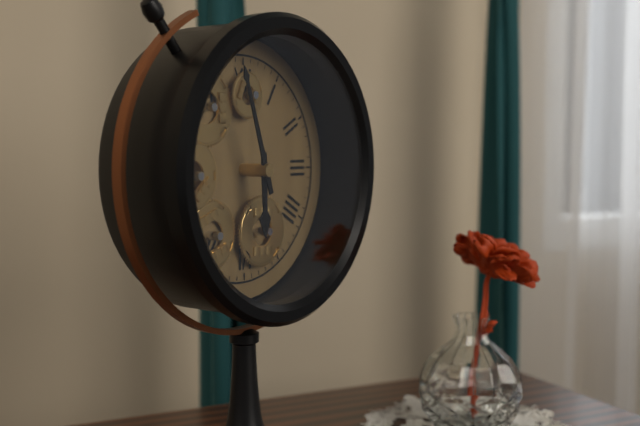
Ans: 5:57
